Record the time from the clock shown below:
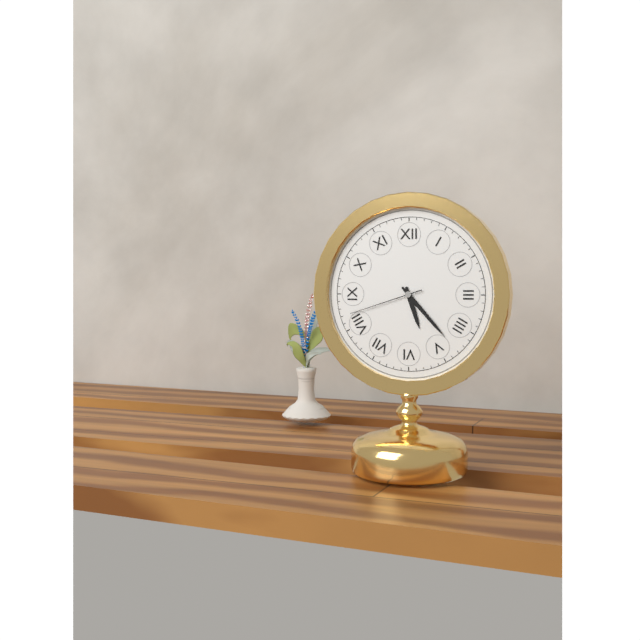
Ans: 5:23:42
